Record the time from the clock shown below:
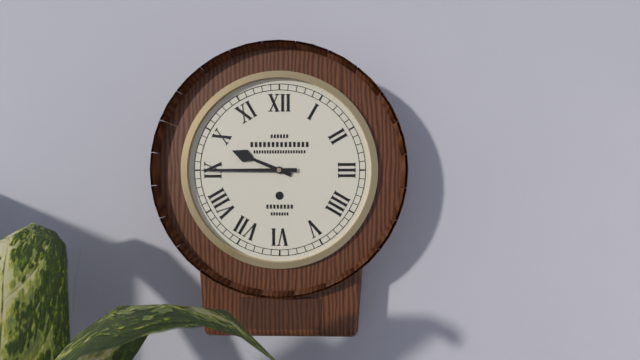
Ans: 9:45
